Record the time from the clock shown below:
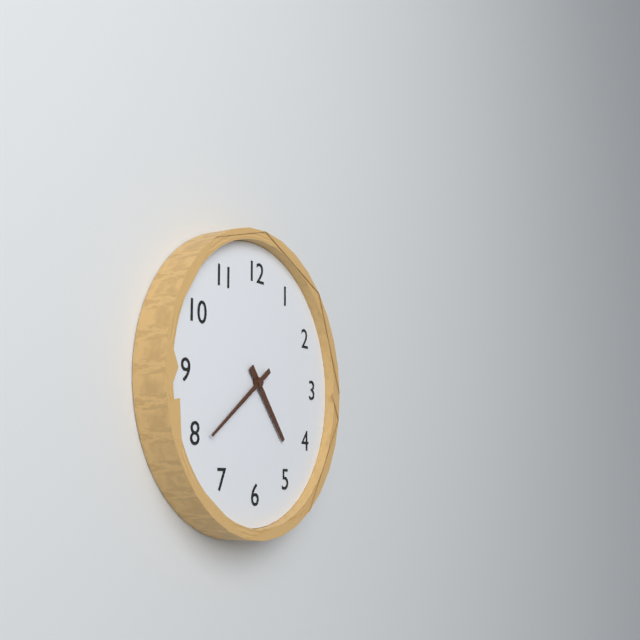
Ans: 4:39
